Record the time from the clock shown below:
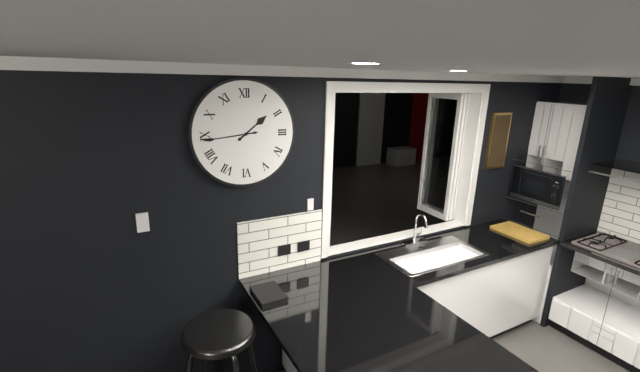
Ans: 1:44
